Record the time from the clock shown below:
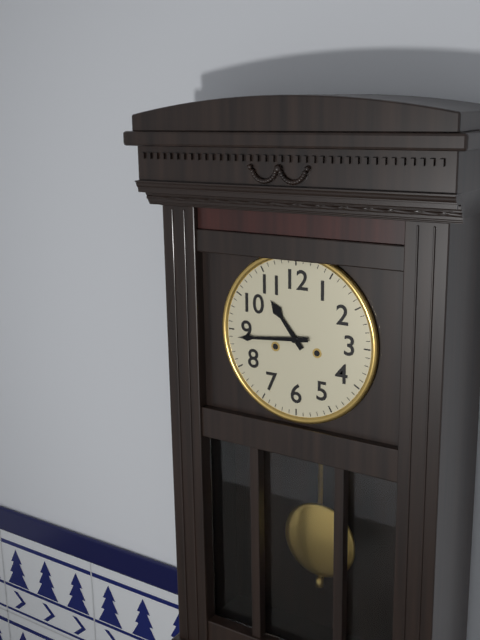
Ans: 10:44
